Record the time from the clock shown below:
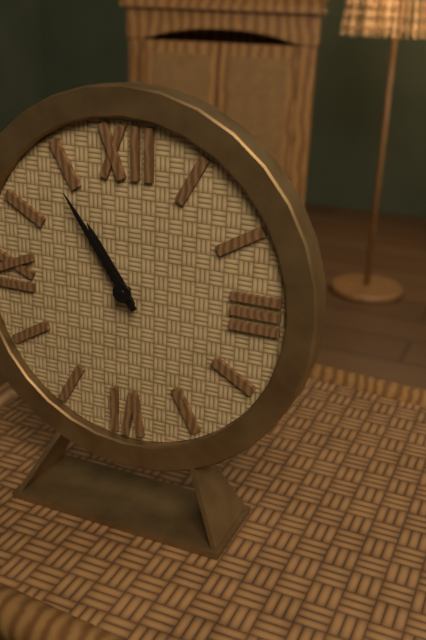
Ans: 10:54
